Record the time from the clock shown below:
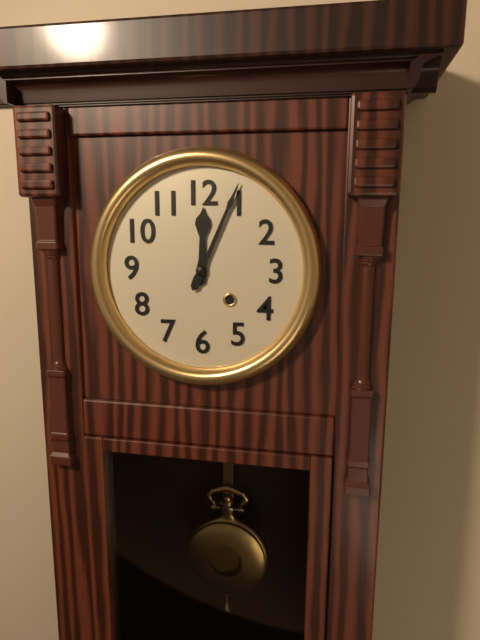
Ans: 12:04
